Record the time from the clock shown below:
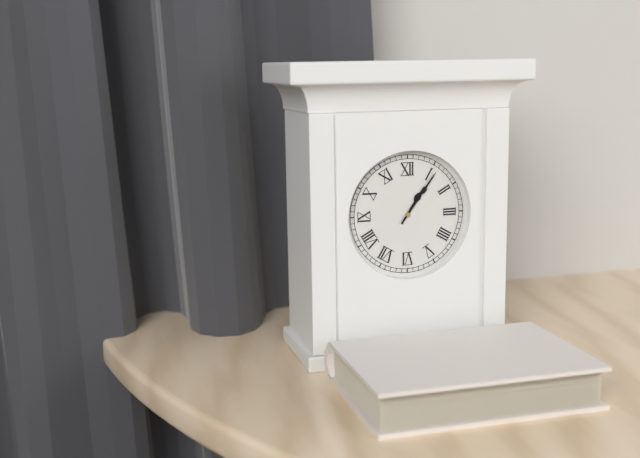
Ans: 1:06
